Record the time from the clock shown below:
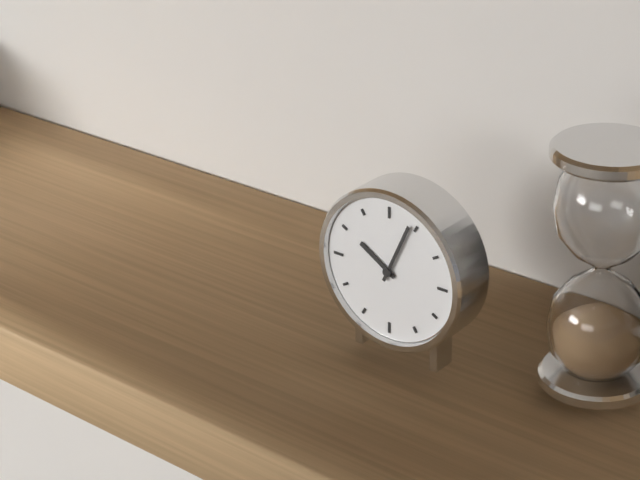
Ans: 10:04
